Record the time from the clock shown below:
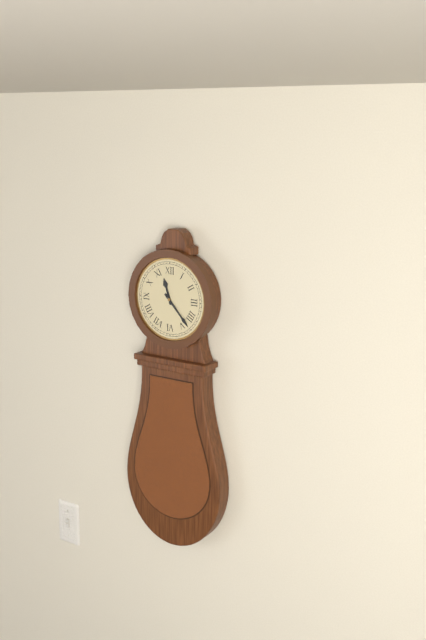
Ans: 11:23
